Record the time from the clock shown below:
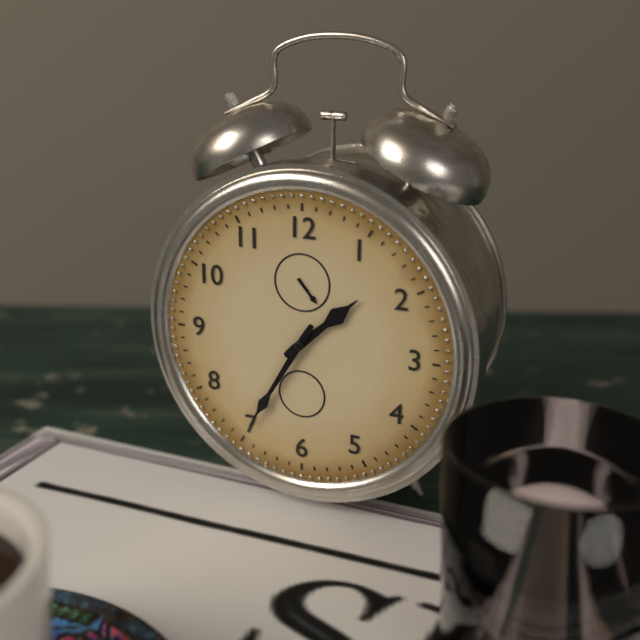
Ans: 1:35
